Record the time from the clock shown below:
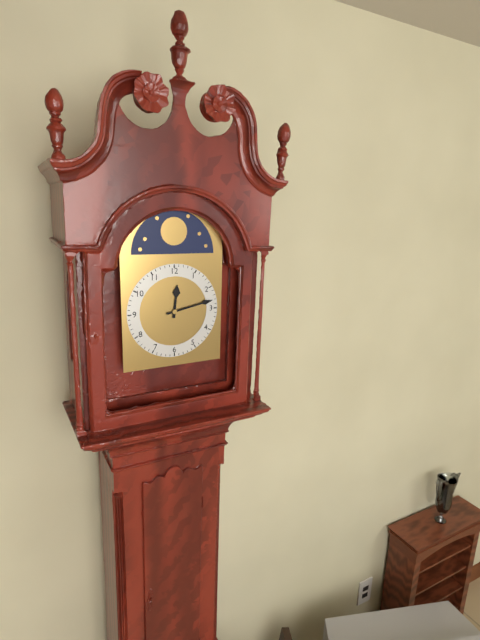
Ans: 12:13
